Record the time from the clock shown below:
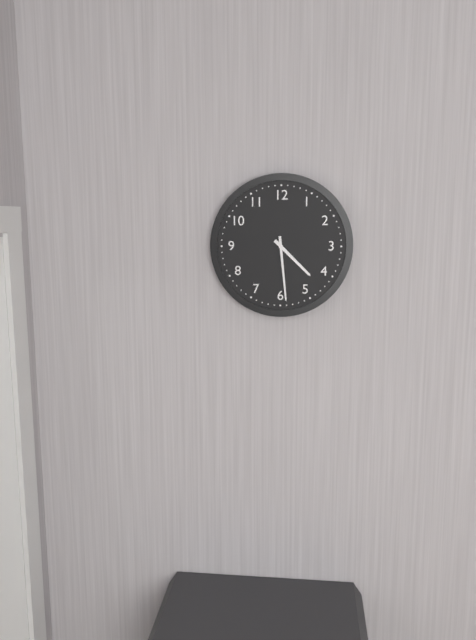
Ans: 4:29
